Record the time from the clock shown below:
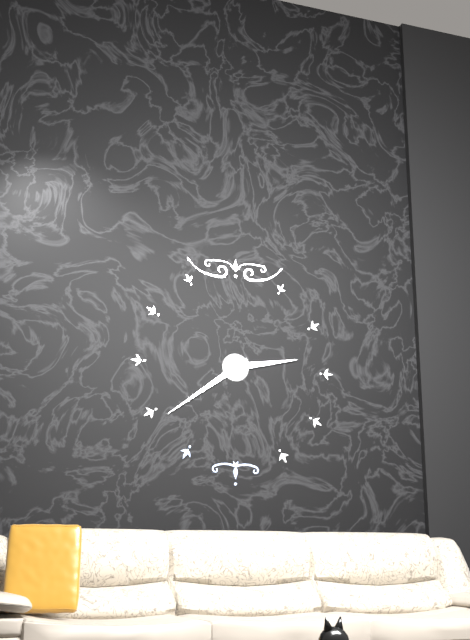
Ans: 2:39
